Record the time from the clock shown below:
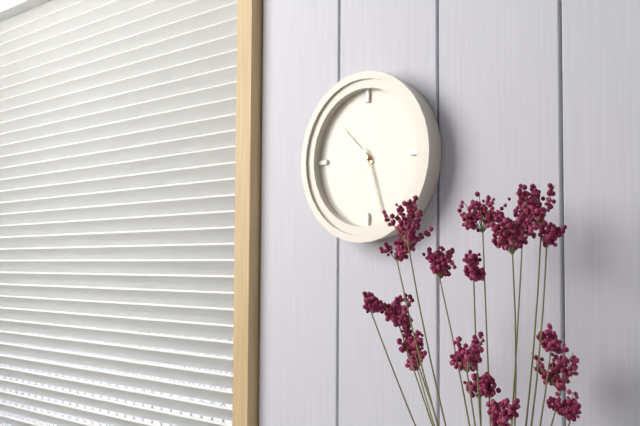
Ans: 10:27
